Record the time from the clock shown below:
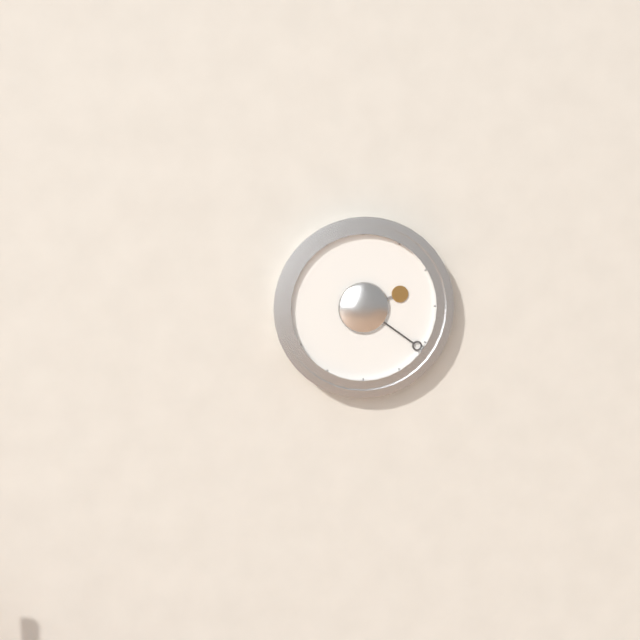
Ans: 2:21
